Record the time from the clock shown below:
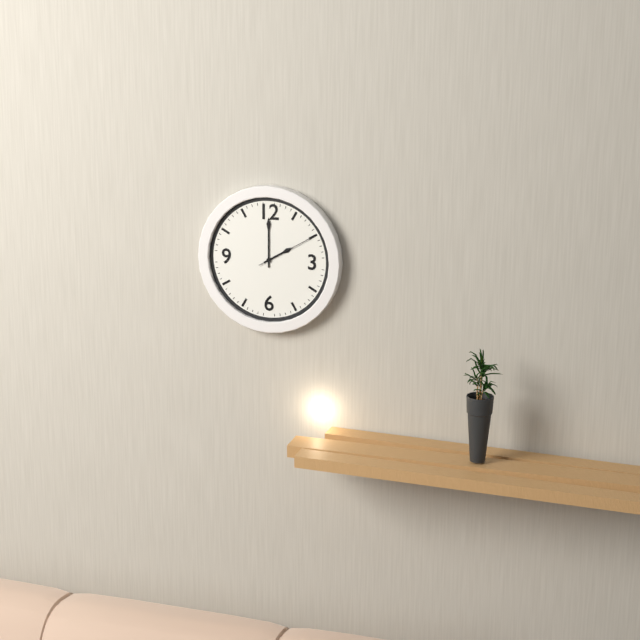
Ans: 2:00:10
